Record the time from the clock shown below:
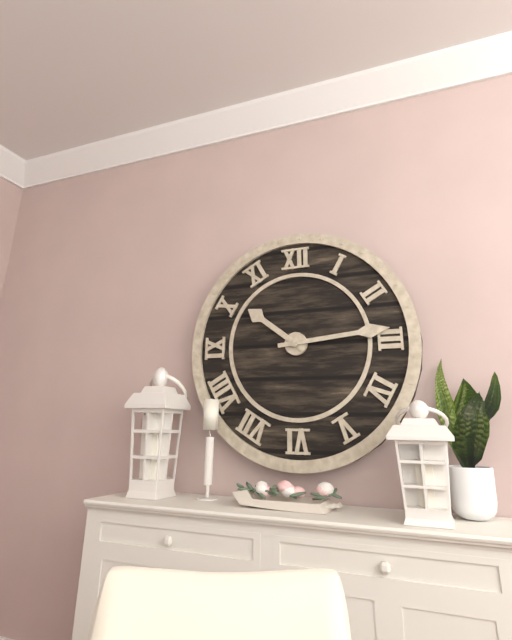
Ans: 10:14
